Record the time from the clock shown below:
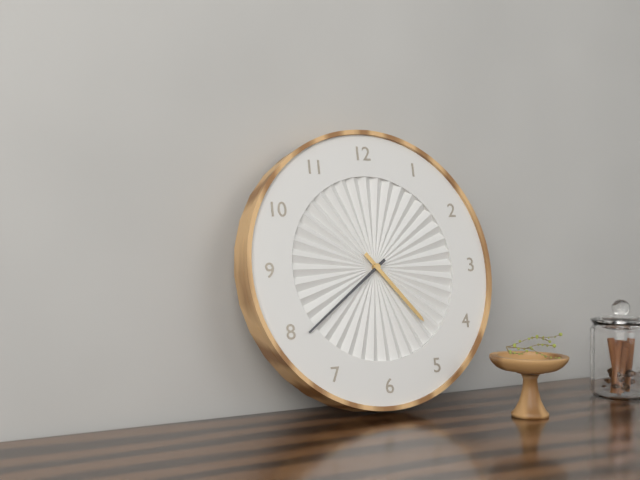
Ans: 4:39
